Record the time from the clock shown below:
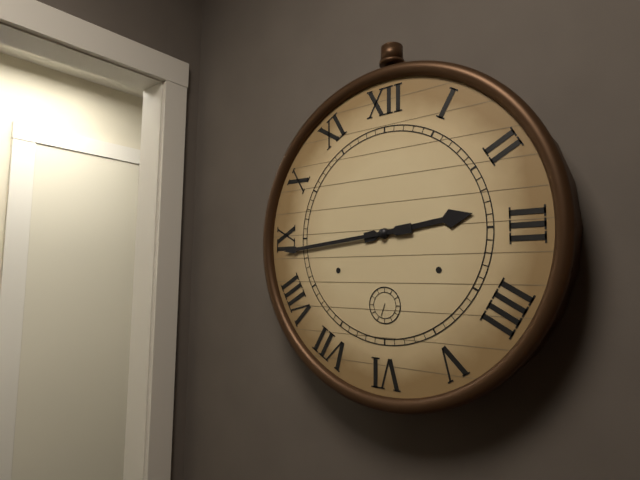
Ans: 2:44
